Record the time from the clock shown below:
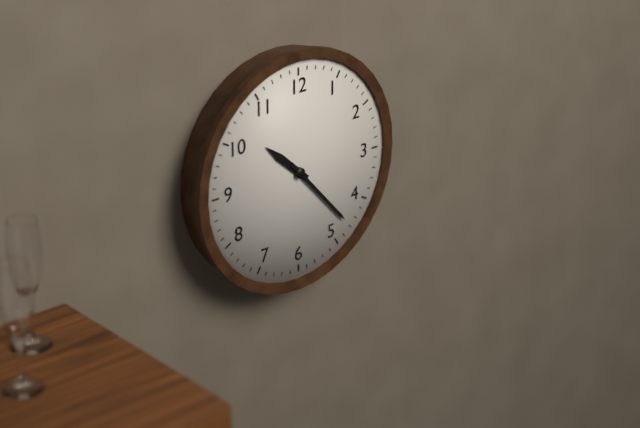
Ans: 10:23
